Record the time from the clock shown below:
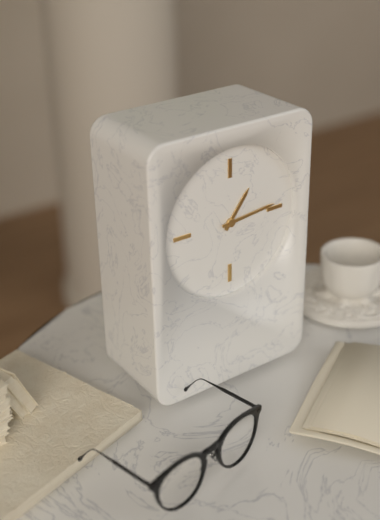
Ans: 1:14
